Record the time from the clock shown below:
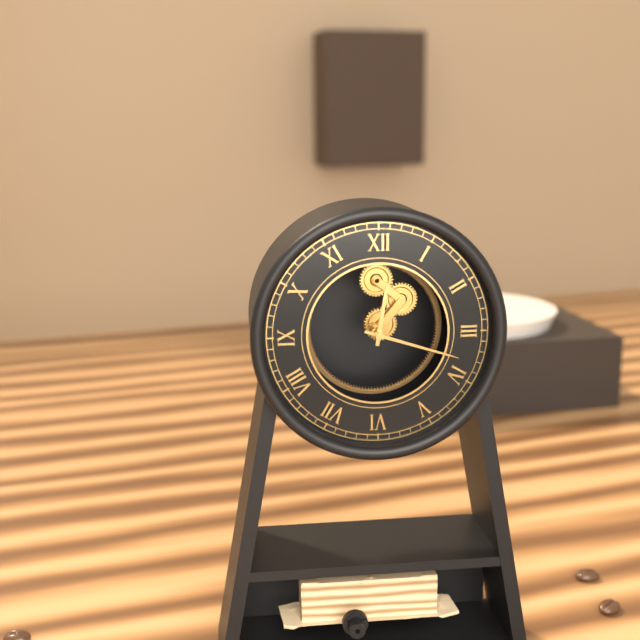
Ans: 12:18
